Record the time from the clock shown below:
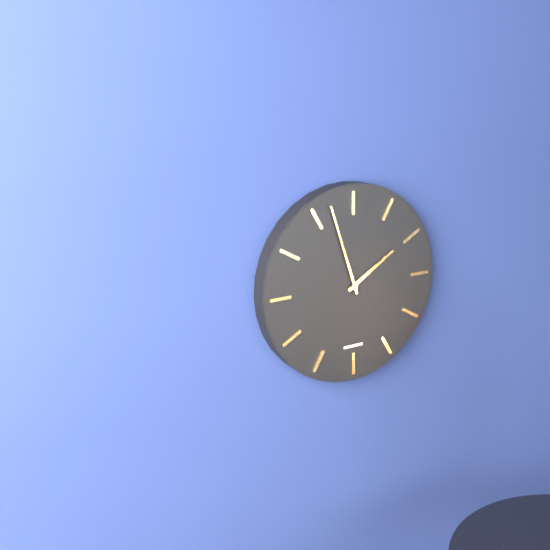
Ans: 1:57
